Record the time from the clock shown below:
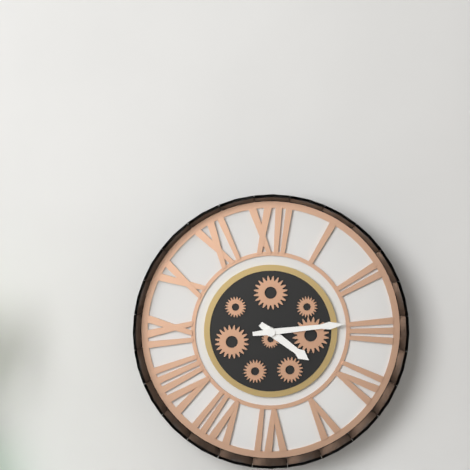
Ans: 4:14
